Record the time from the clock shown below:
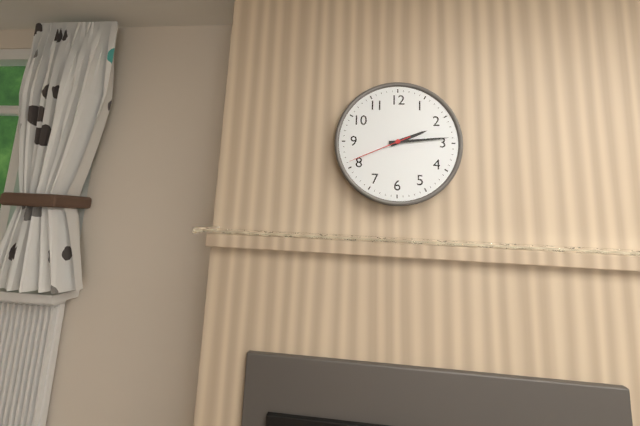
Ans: 2:14:41
